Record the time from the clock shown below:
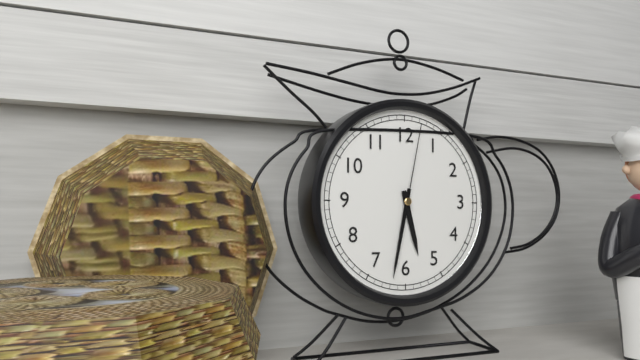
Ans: 5:32:02
